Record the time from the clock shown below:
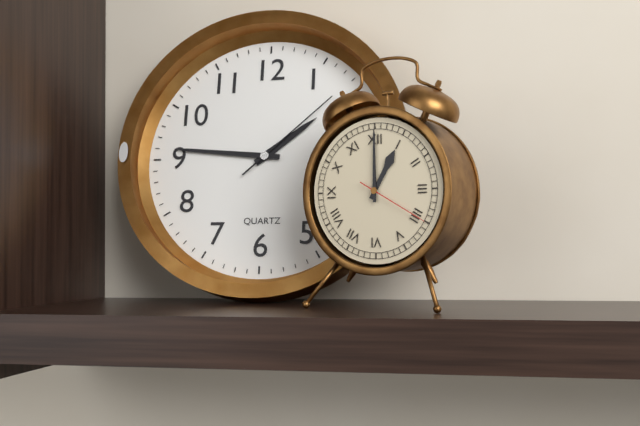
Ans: 1:46:08
